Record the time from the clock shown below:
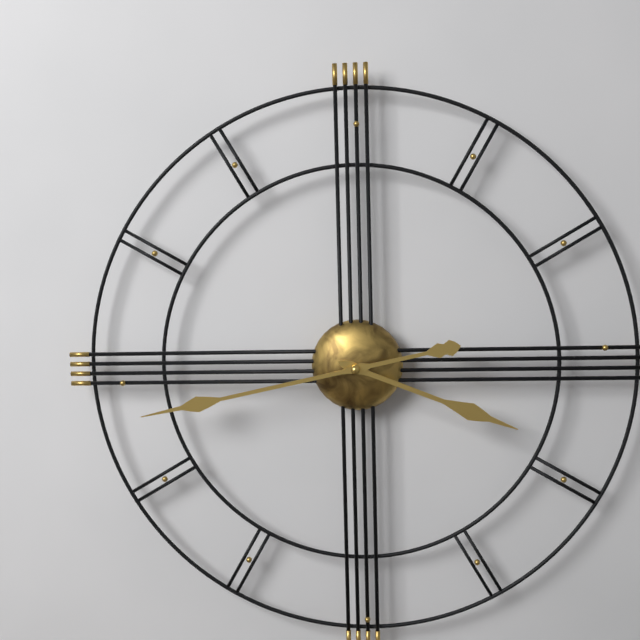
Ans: 3:43
